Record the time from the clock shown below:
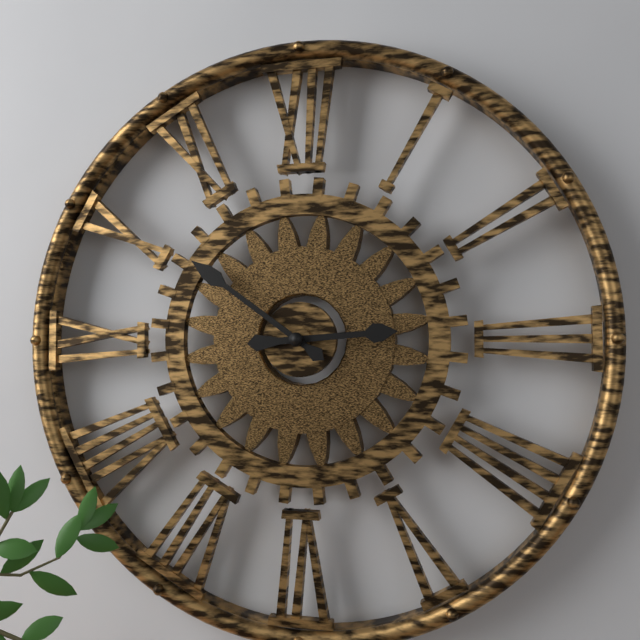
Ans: 2:51
